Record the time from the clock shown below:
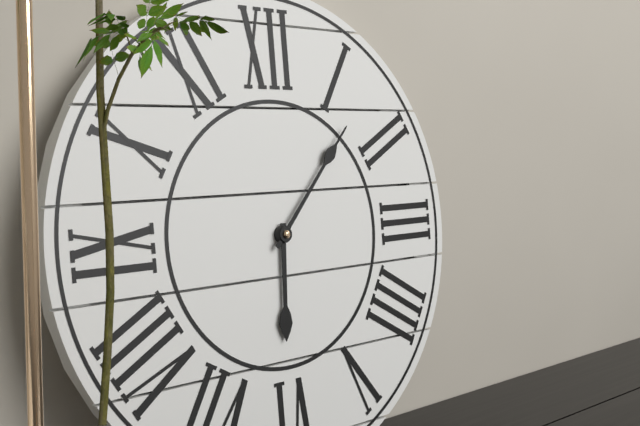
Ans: 6:07
